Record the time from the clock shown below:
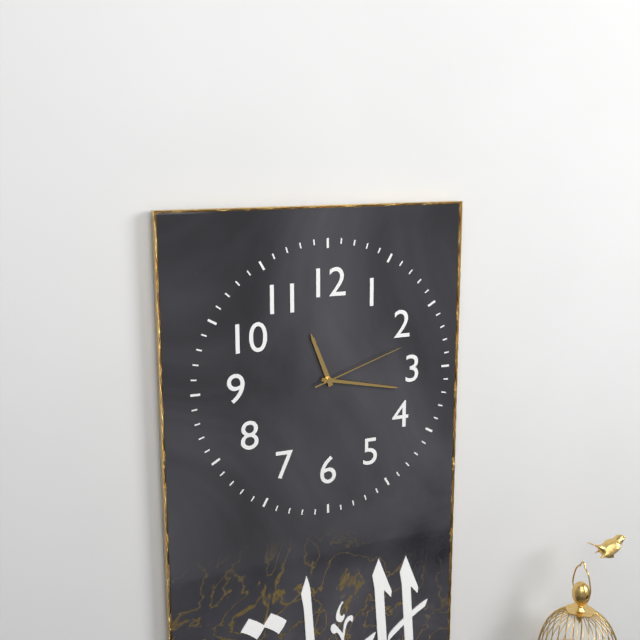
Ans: 11:17:12
